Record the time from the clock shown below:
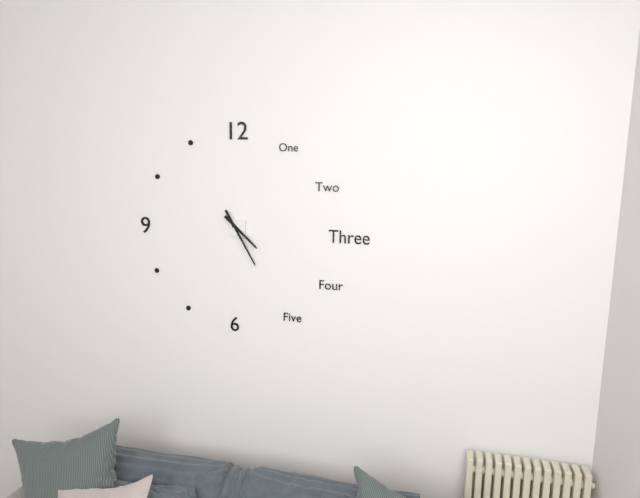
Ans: 4:25
